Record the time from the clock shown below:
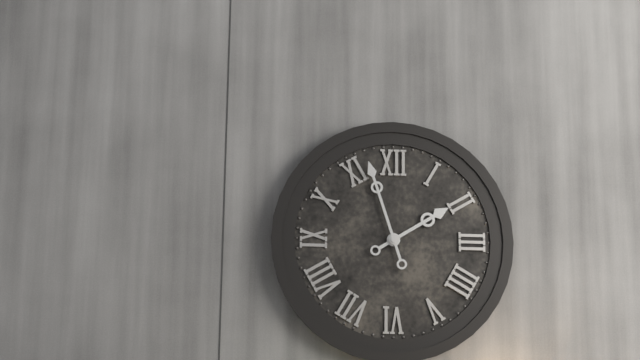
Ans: 1:57
